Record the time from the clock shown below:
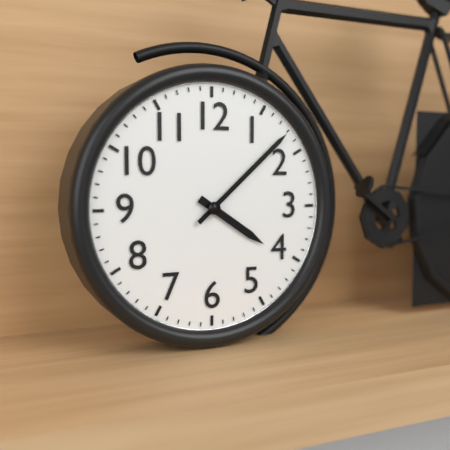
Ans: 4:08
